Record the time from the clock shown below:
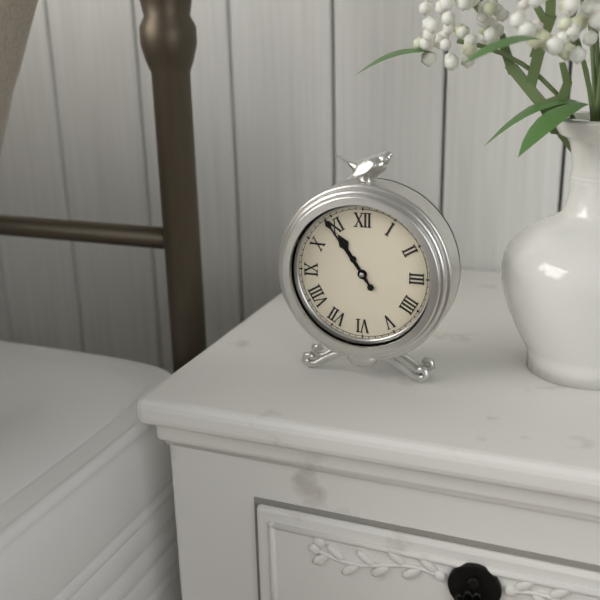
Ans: 10:54
